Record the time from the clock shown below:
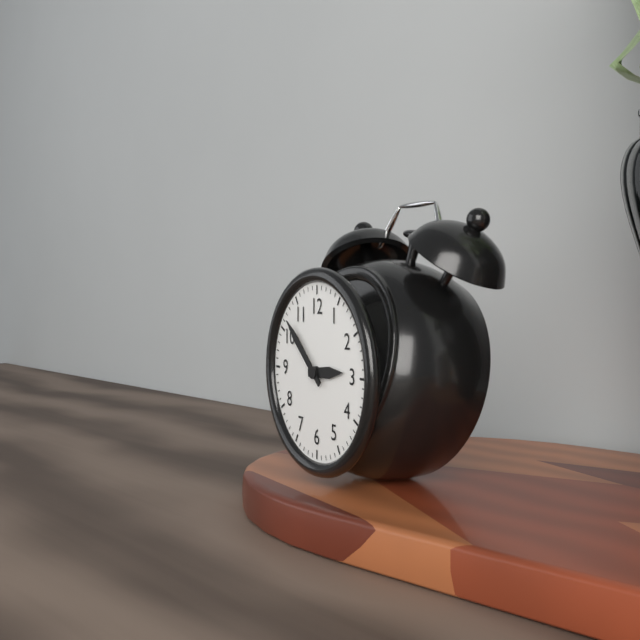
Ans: 2:52
